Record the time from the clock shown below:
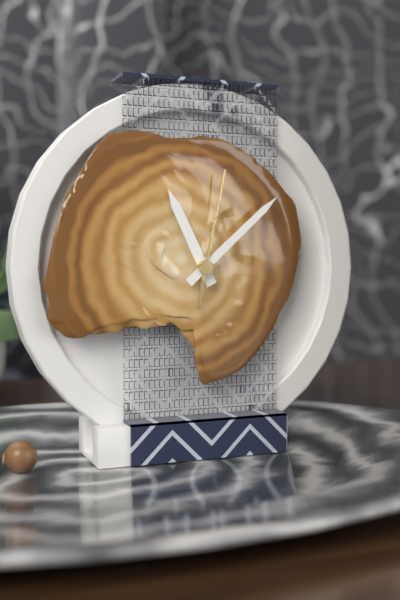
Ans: 11:08:02
